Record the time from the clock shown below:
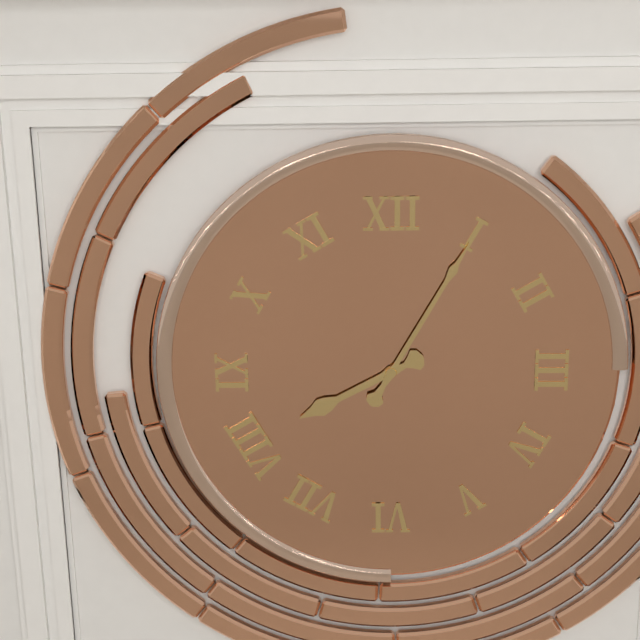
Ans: 8:05
